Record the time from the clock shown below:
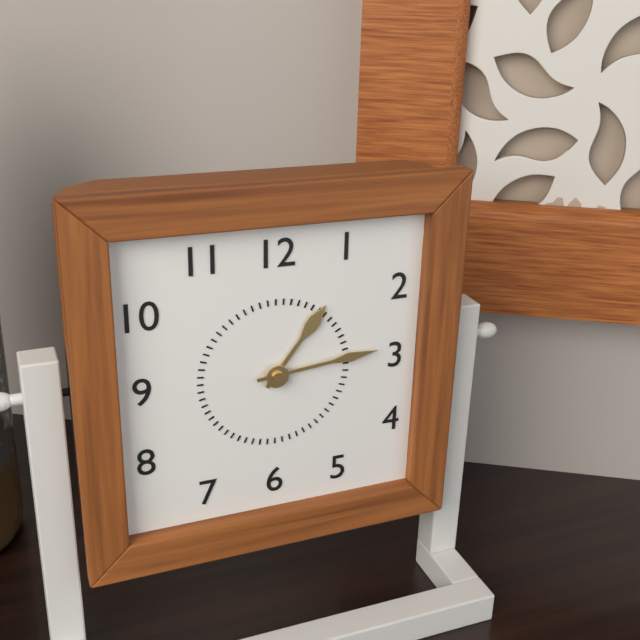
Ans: 1:14
